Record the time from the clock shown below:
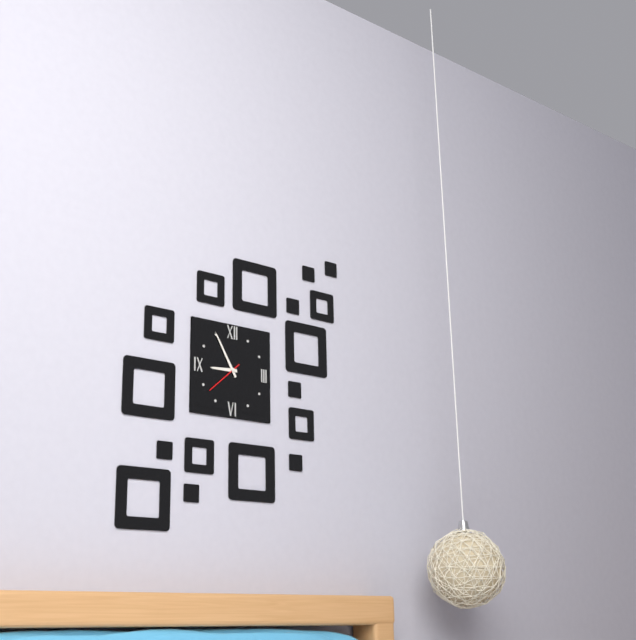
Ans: 8:55
